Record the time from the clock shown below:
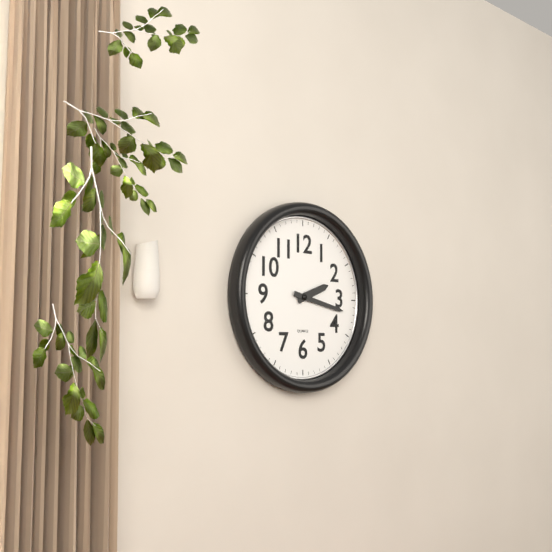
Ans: 2:17
